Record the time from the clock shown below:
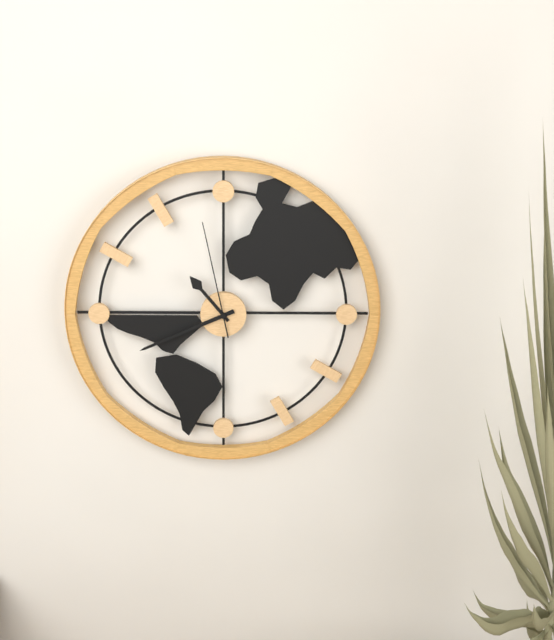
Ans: 10:41:58
